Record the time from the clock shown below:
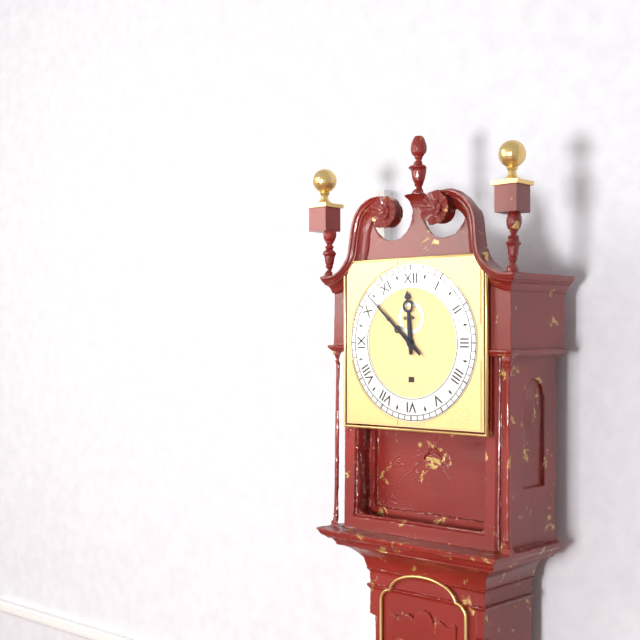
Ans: 11:52
